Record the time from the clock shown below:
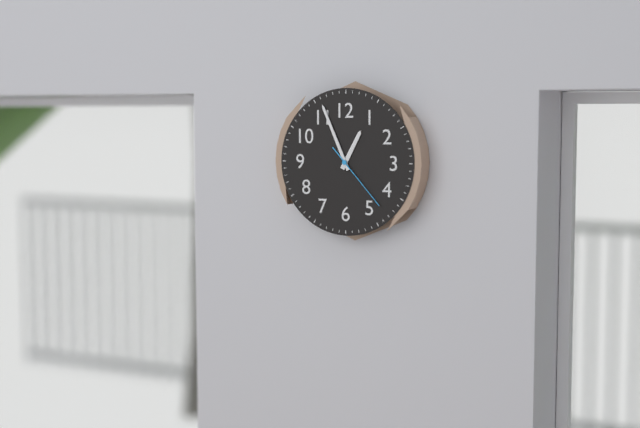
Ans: 12:56:23
